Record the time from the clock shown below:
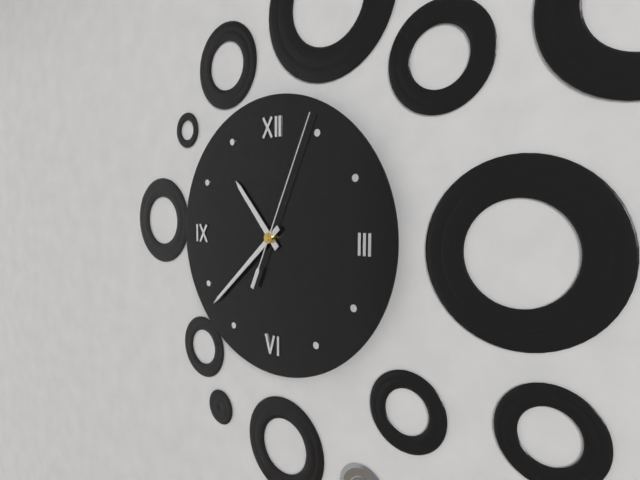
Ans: 10:38:04
